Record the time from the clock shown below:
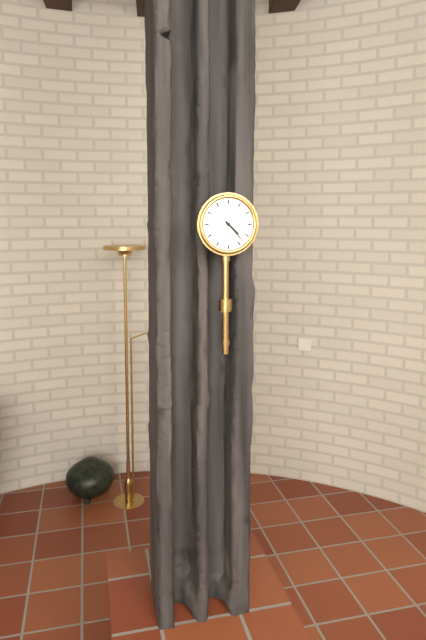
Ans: 4:23
